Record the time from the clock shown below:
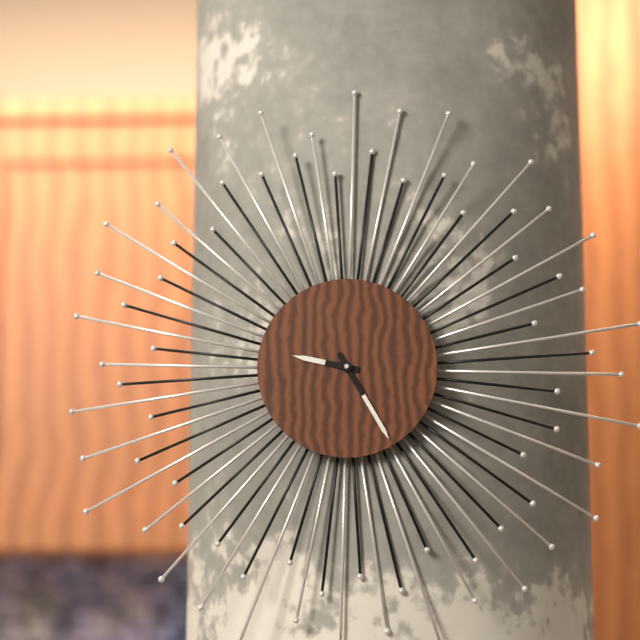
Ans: 9:25
